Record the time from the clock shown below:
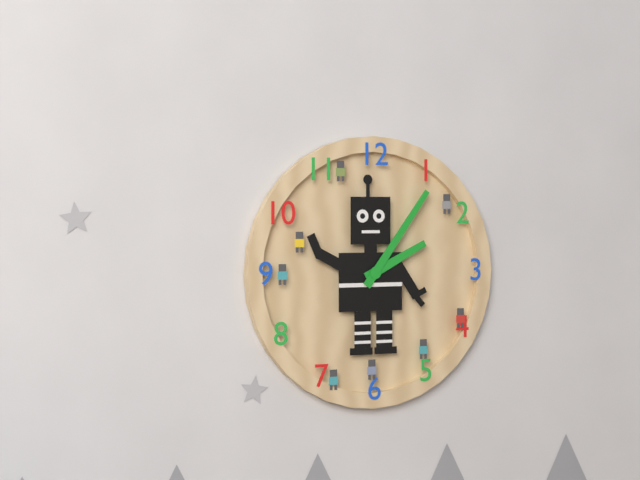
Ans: 2:06
